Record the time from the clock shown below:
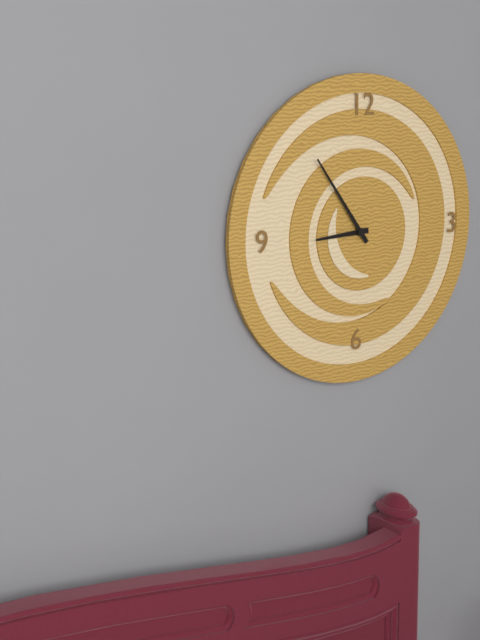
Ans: 8:54
